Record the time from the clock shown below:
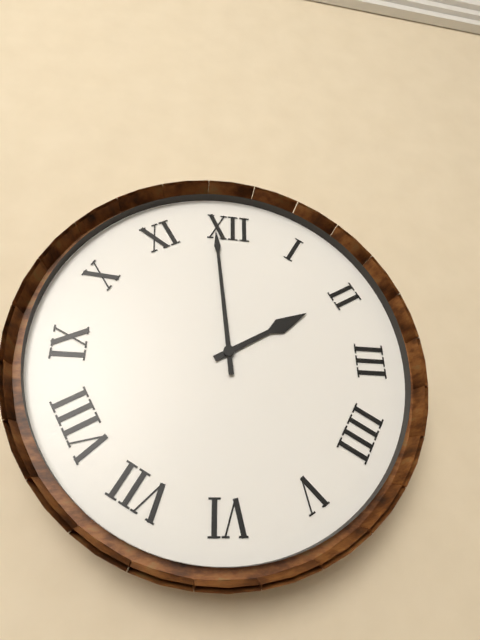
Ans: 1:59
